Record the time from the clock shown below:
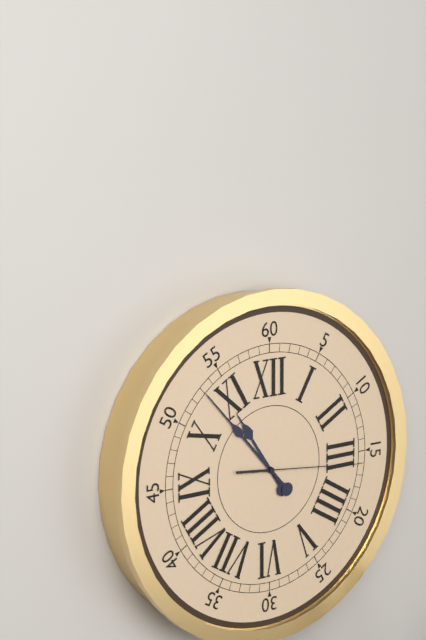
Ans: 10:53:16
